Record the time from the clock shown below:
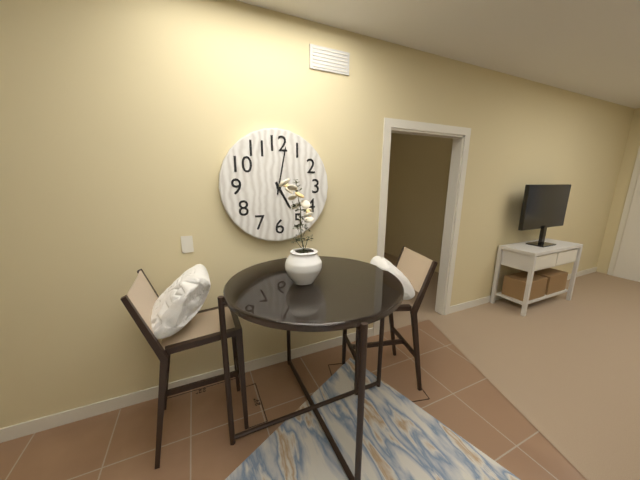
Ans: 5:02
